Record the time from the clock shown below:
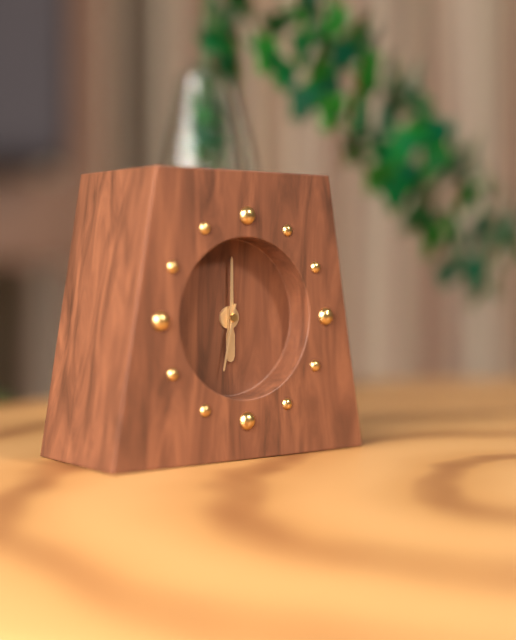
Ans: 6:00:32
